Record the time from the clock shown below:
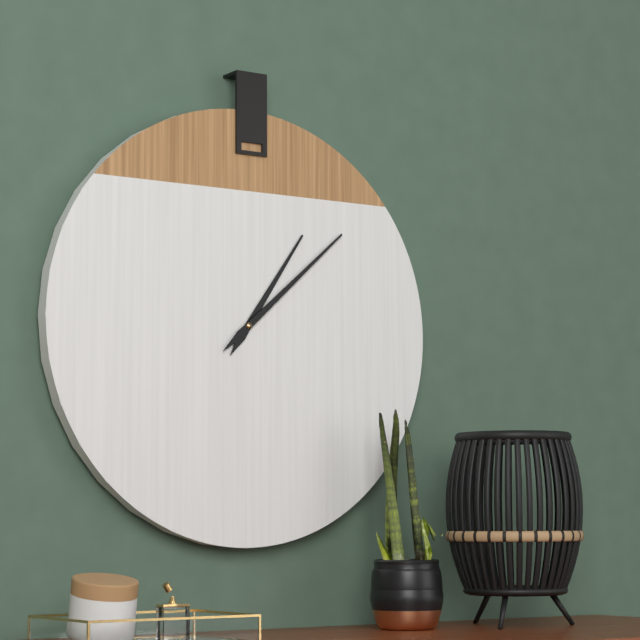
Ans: 1:08
